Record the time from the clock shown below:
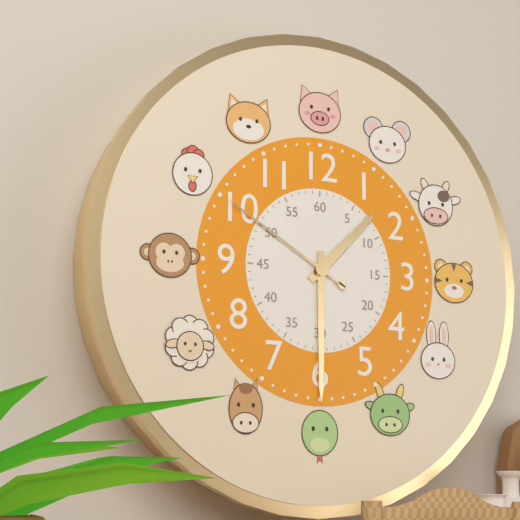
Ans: 1:30:50
